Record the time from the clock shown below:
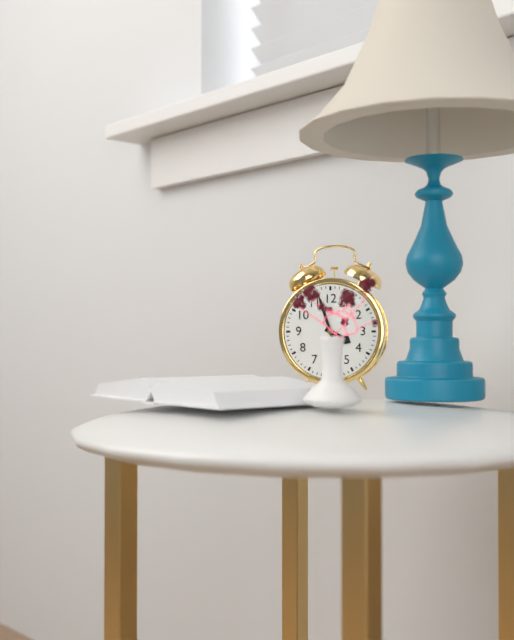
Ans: 3:57
